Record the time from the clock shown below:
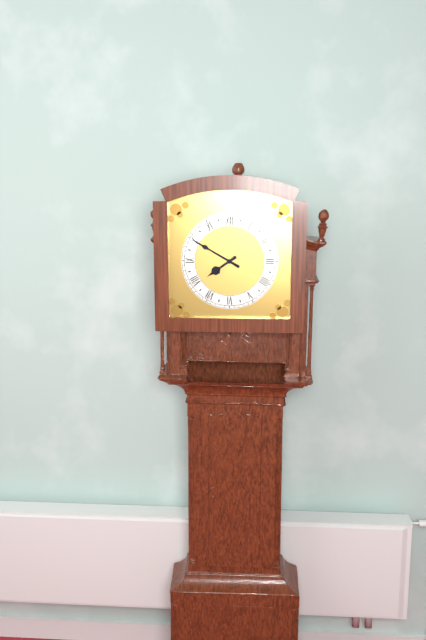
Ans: 7:50
